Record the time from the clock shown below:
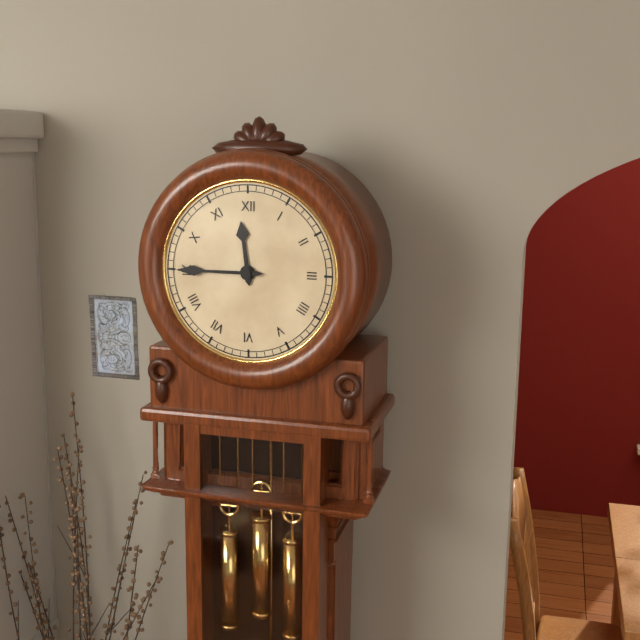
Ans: 11:45
